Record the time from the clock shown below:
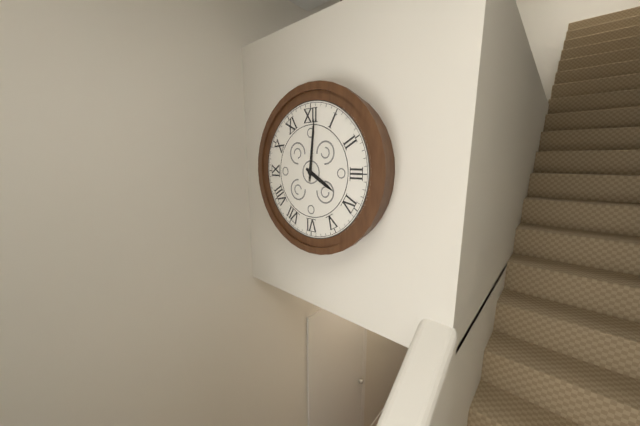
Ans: 4:01
